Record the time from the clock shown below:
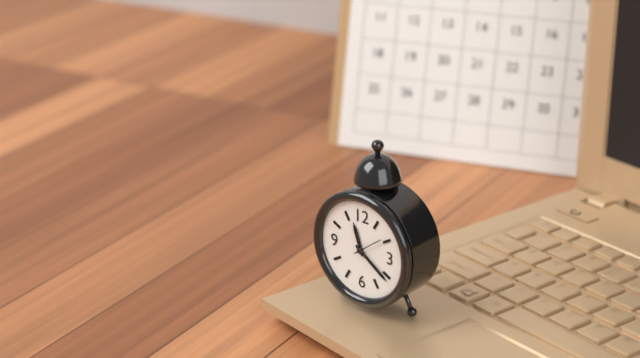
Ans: 11:21
